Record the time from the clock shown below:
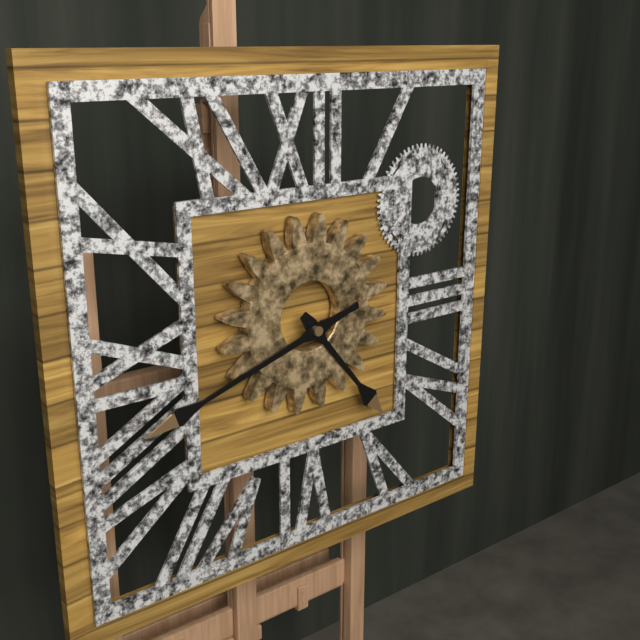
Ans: 4:42
